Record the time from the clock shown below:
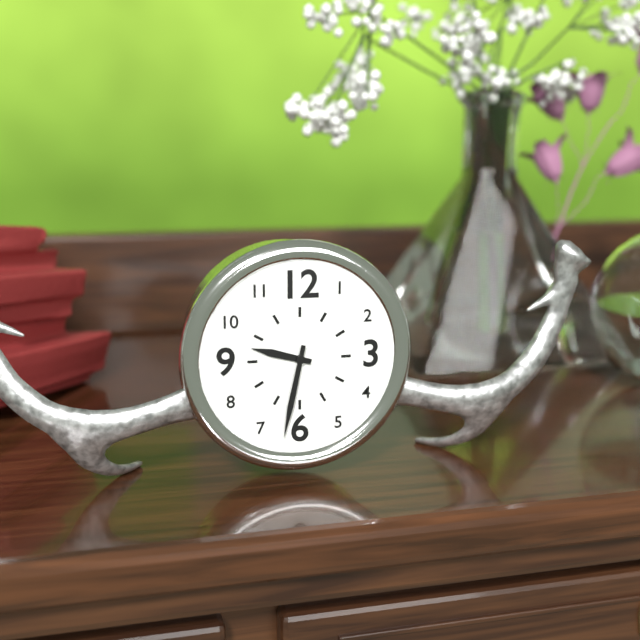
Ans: 9:32
